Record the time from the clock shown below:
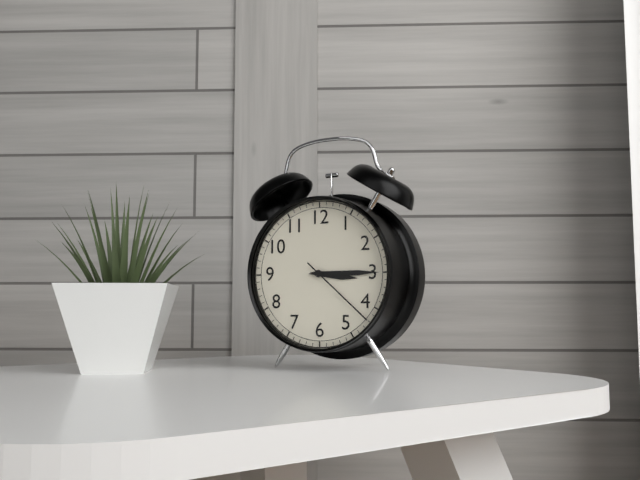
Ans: 3:15:22
